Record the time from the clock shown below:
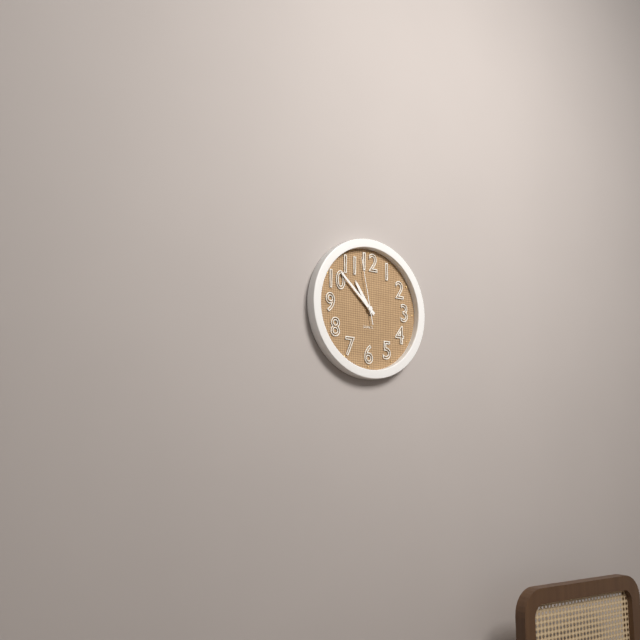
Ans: 10:52:58
